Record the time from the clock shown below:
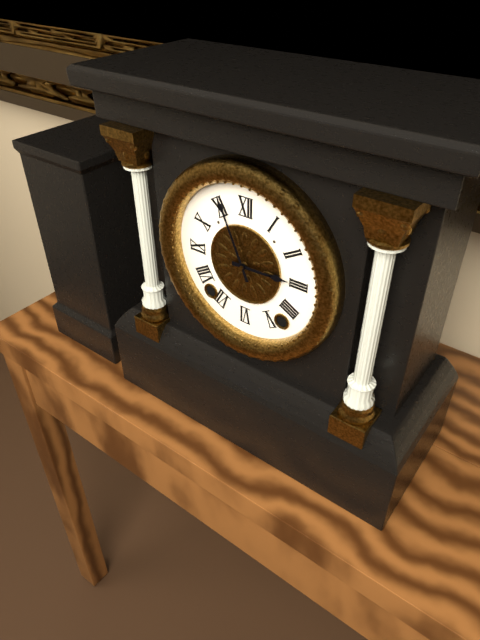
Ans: 2:56
